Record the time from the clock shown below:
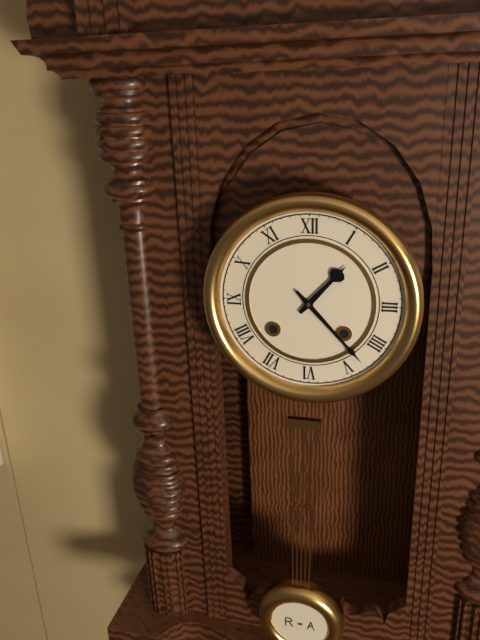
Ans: 1:23
